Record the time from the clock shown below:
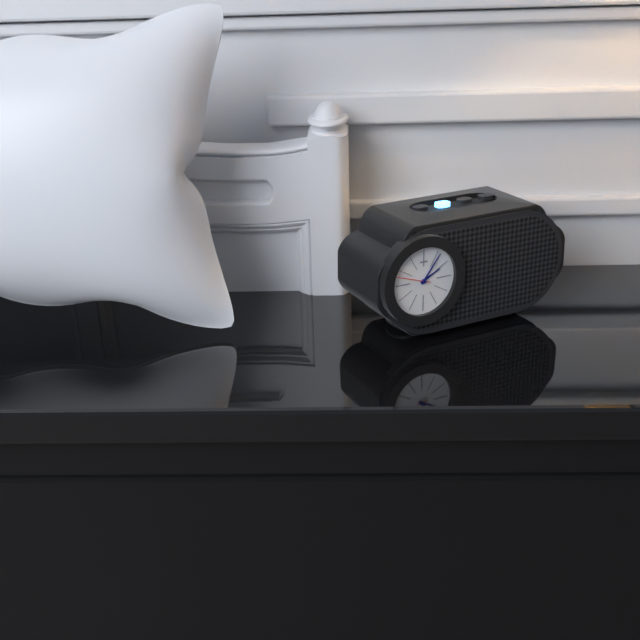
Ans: 2:06
